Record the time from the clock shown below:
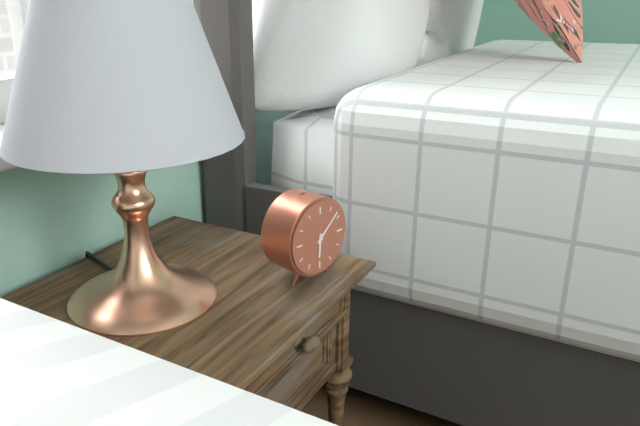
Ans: 6:08
